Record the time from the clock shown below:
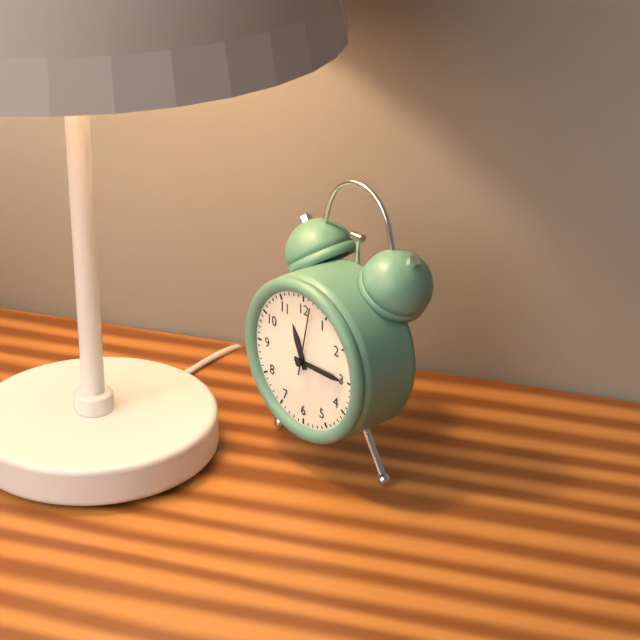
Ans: 11:15:02
